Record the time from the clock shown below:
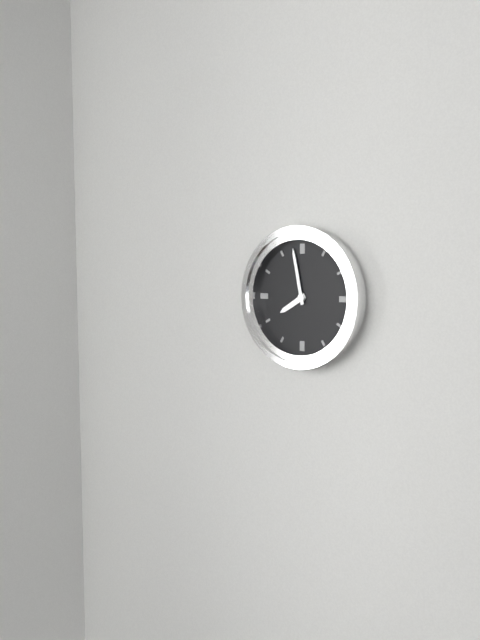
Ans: 7:58
